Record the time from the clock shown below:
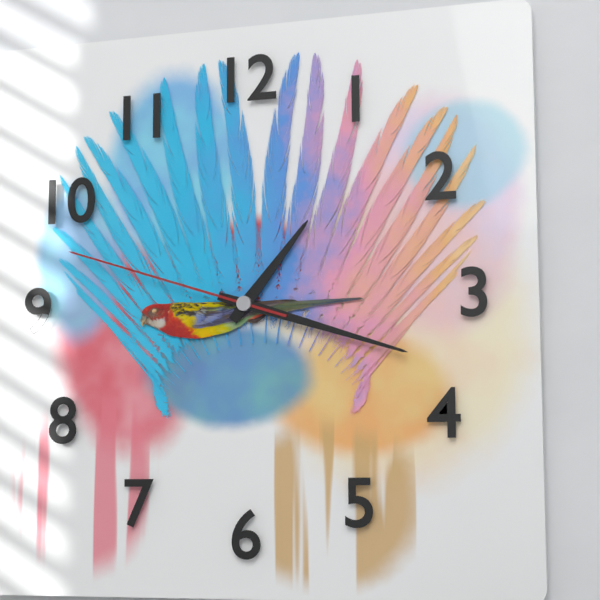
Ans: 1:18:48
